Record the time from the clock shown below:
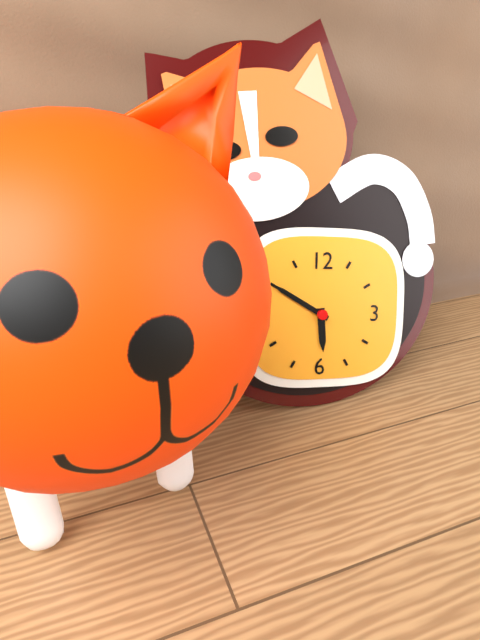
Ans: 5:50
